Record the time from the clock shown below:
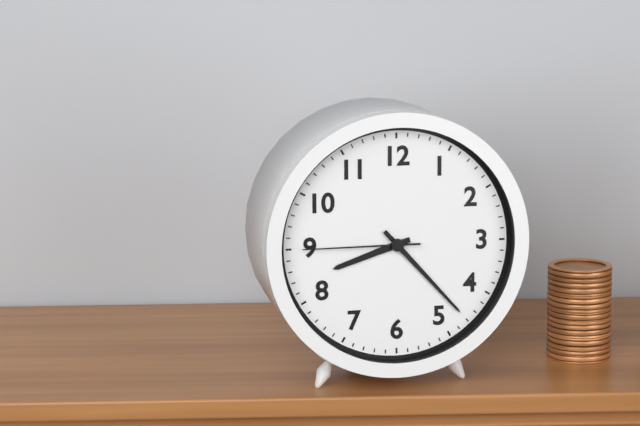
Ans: 8:23:45
